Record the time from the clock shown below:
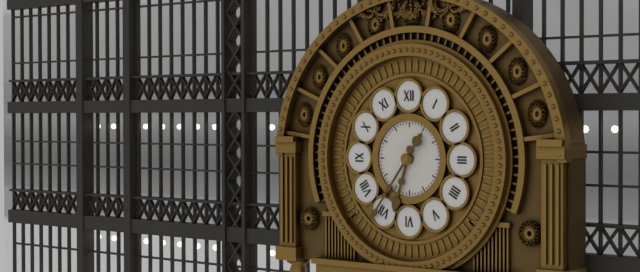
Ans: 6:36
